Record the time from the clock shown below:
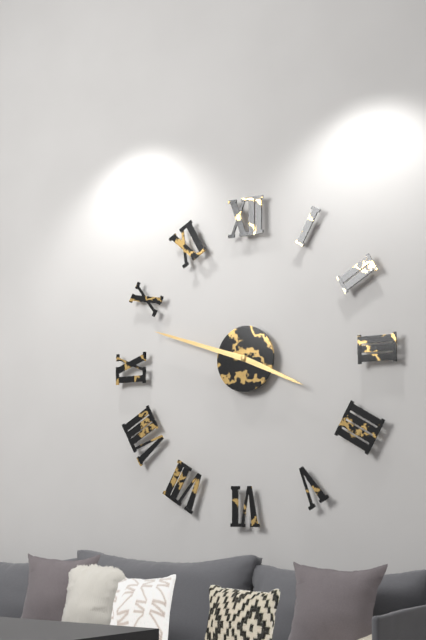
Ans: 3:48
